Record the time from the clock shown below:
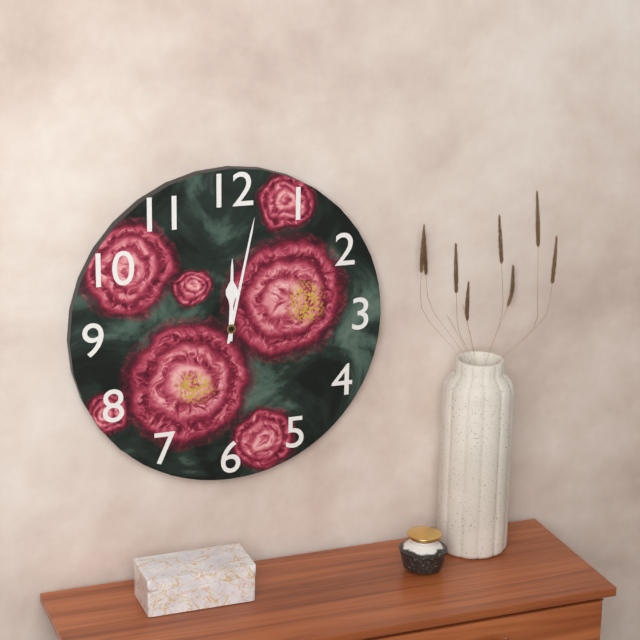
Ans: 12:02
